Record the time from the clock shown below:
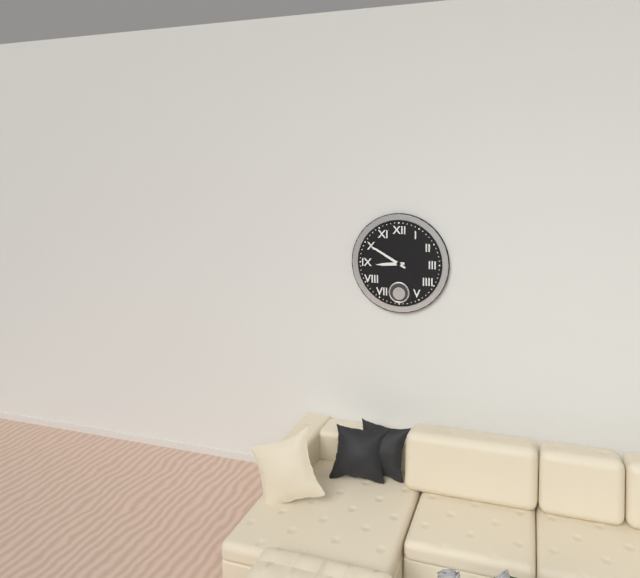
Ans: 8:50
